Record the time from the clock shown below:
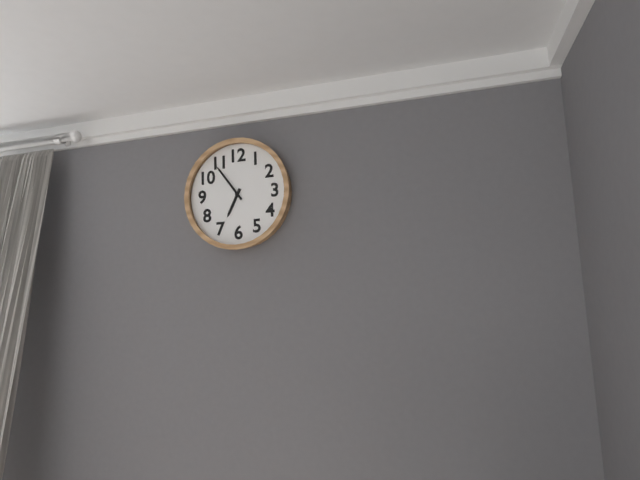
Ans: 6:54
